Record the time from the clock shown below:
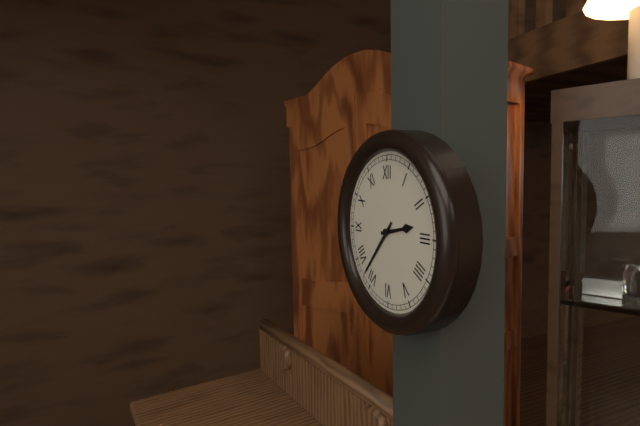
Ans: 2:37
